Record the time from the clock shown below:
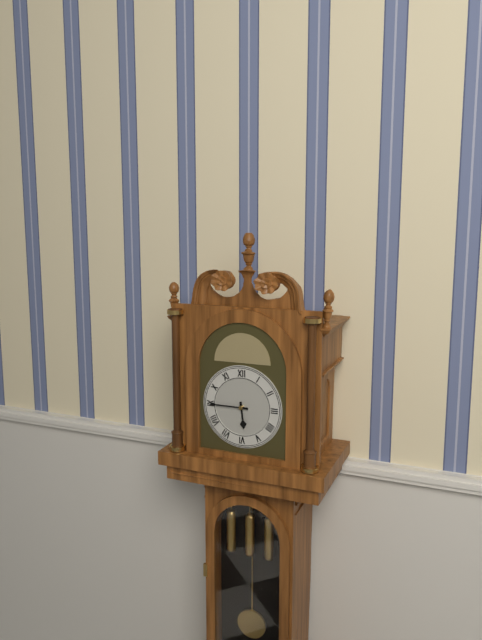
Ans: 5:45
